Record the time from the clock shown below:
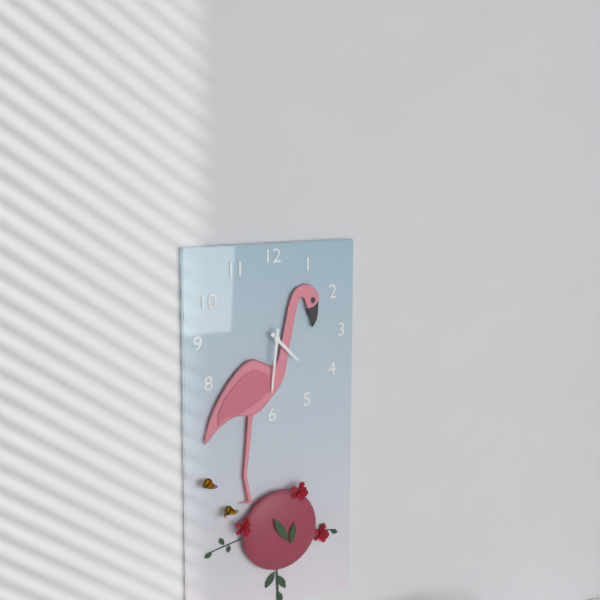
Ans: 4:31
